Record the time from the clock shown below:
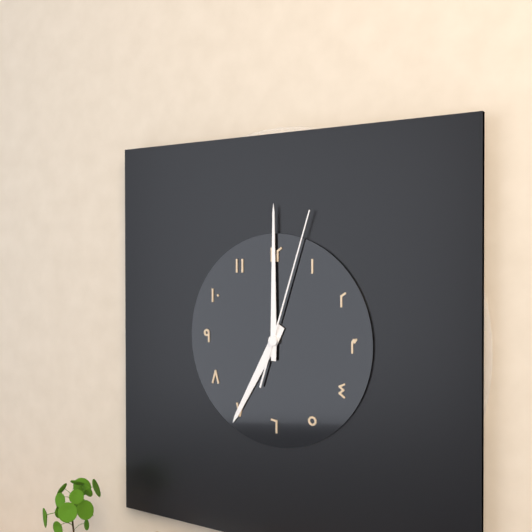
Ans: 7:00:03
